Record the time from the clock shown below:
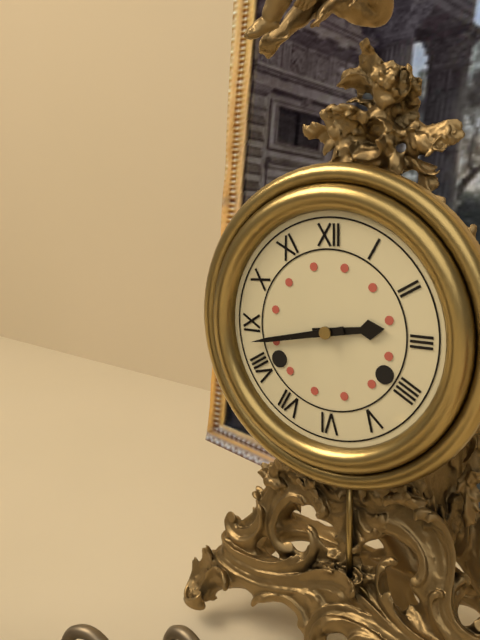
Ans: 2:43
